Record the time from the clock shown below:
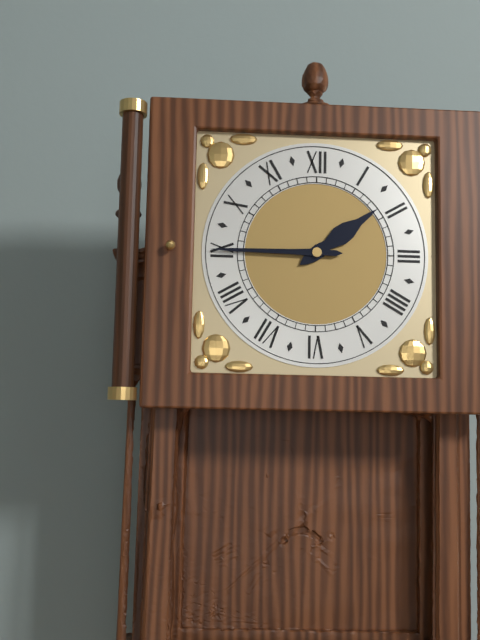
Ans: 1:45
